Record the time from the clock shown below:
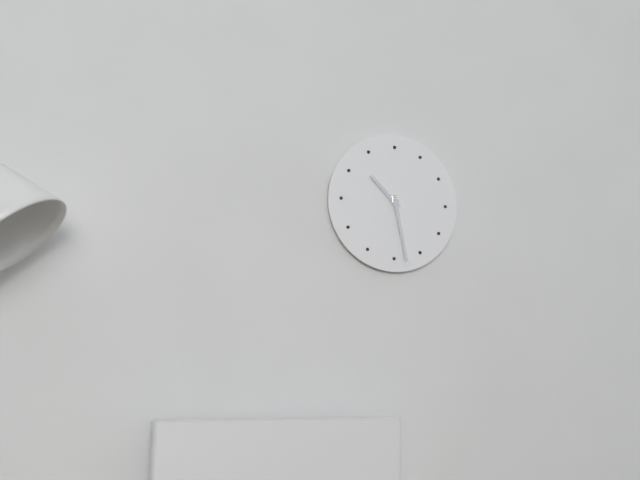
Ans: 10:28
